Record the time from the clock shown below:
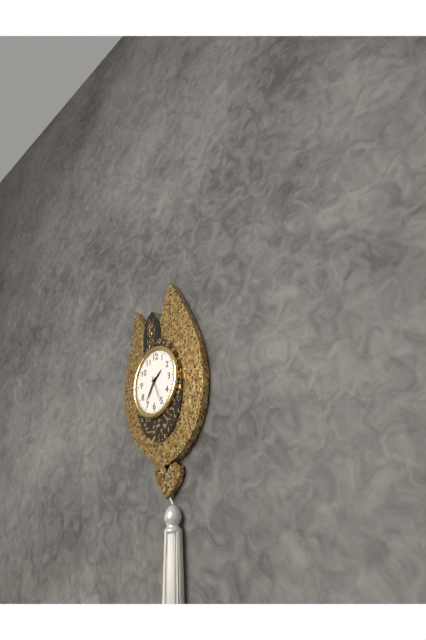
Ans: 1:35
